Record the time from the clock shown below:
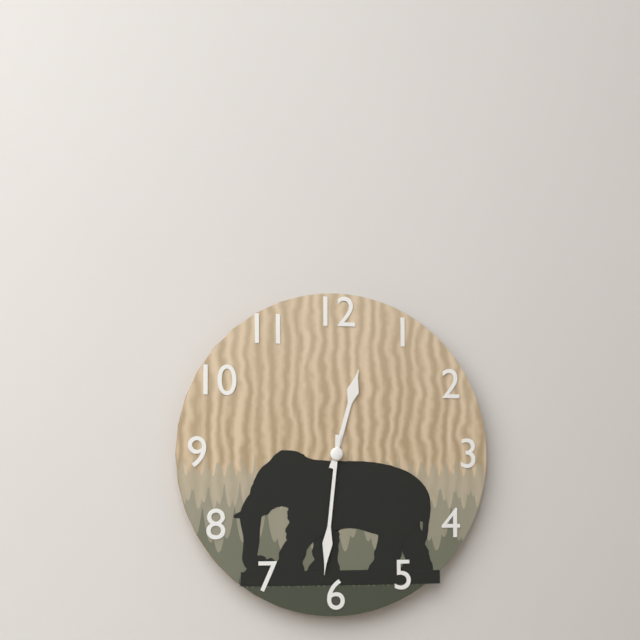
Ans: 12:31
